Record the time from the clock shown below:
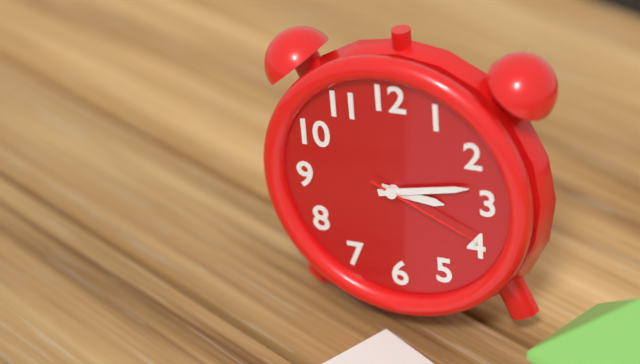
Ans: 3:13:19
